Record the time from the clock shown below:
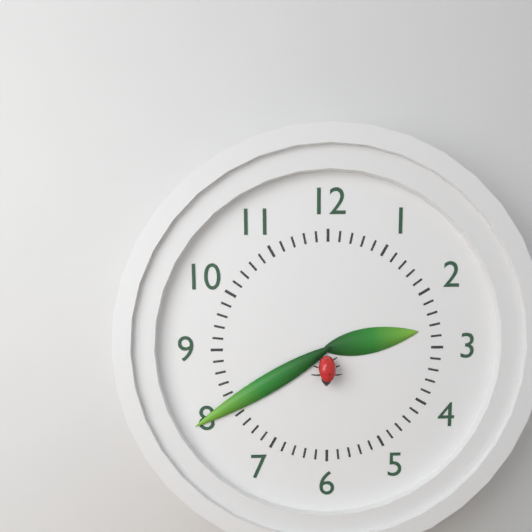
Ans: 2:40
